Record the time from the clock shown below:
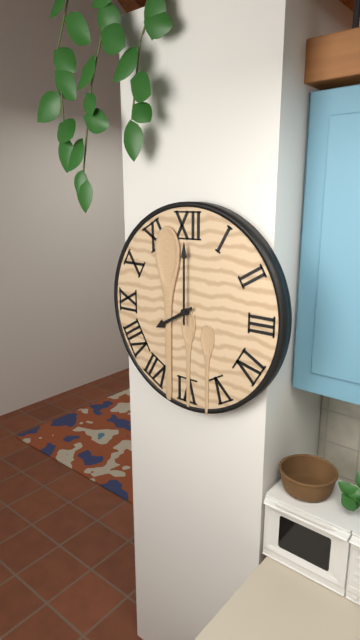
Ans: 8:00
